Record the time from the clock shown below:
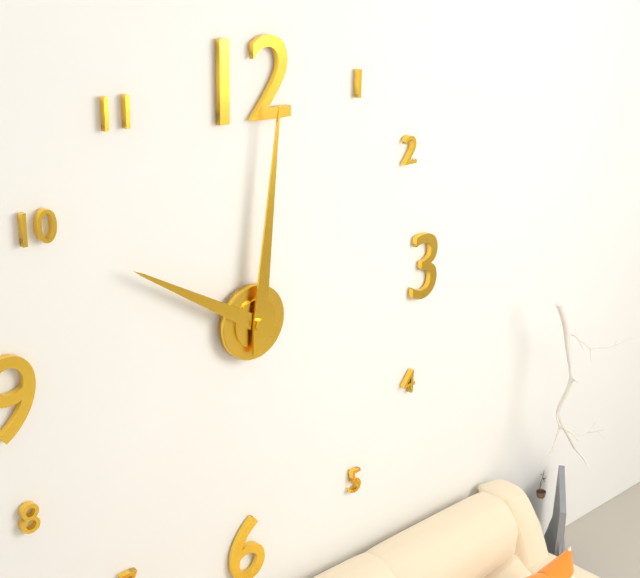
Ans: 10:01
